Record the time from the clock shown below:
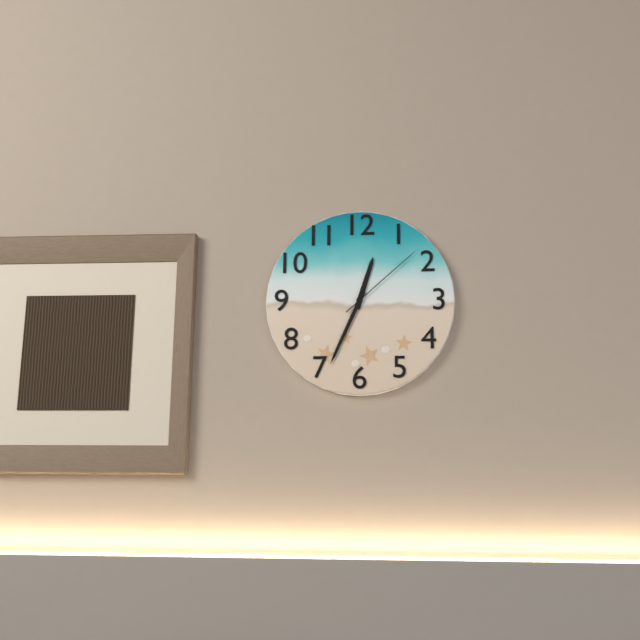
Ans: 12:34:08
